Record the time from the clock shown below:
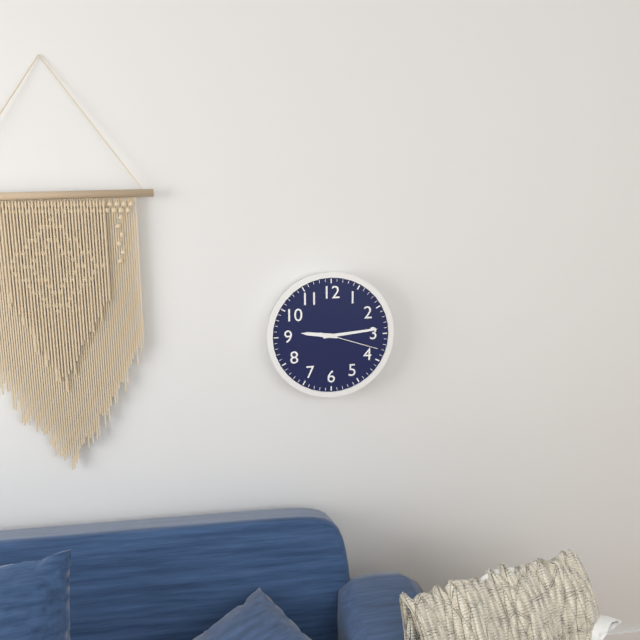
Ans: 9:14:18
